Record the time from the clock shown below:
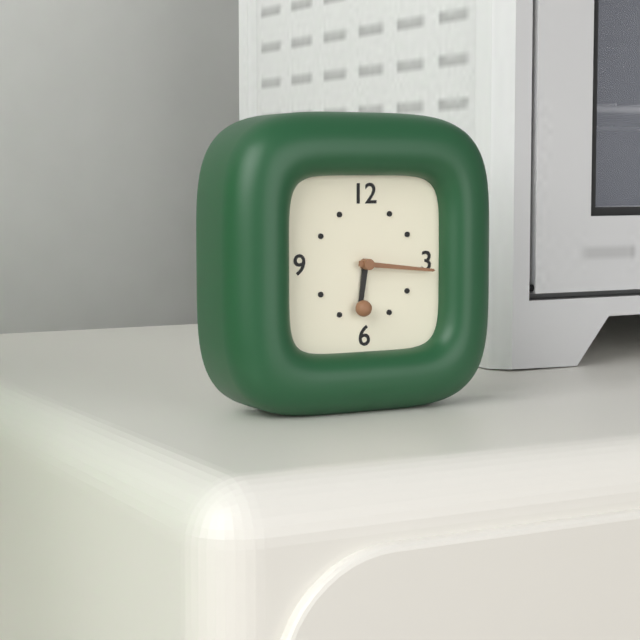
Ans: 6:16
